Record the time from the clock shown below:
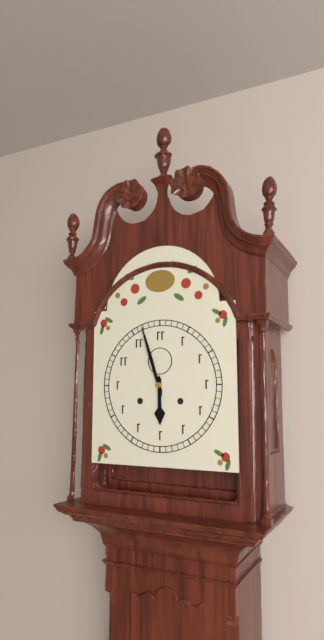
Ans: 5:57
